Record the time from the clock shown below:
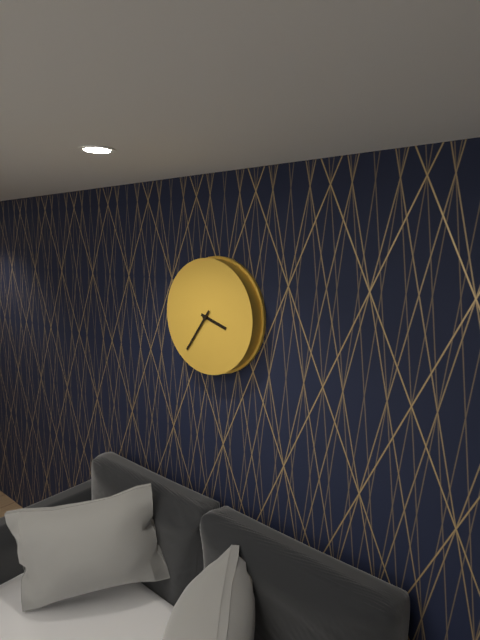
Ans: 3:36
